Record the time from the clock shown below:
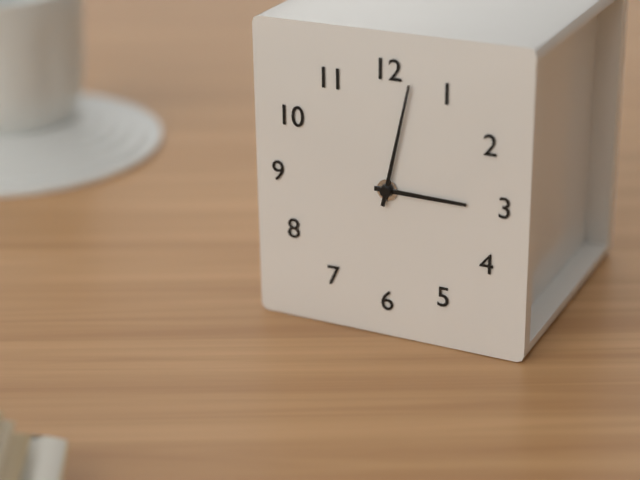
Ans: 3:02
